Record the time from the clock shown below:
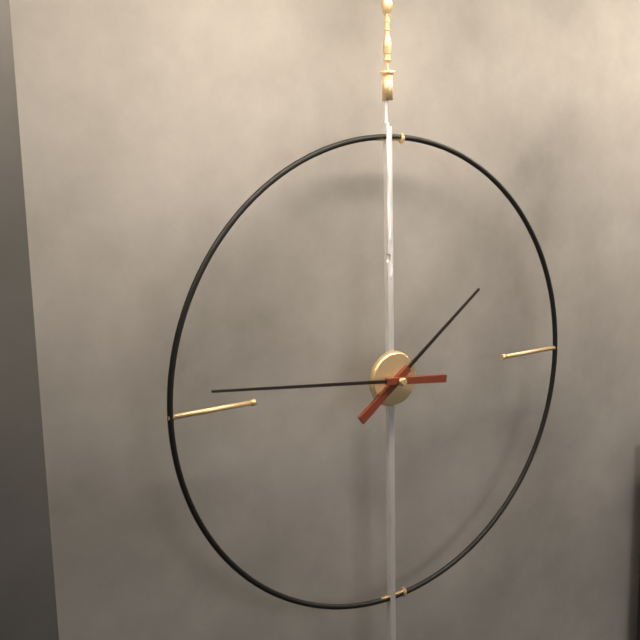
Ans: 1:46
